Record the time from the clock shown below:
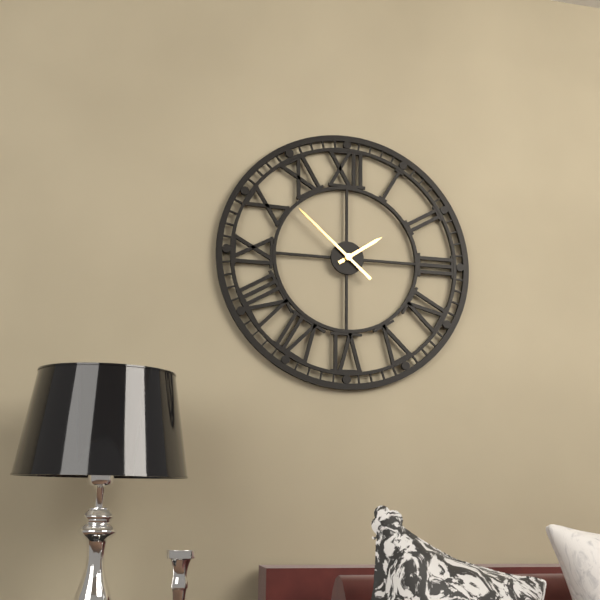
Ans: 1:52
